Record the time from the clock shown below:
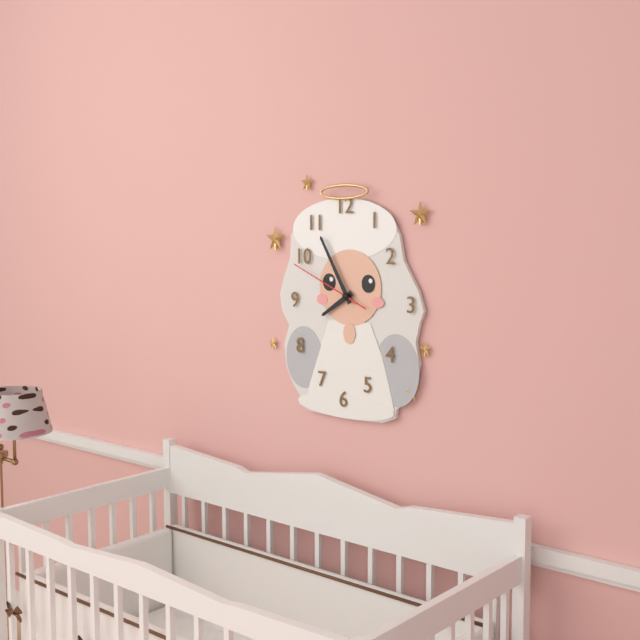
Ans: 7:55:49
